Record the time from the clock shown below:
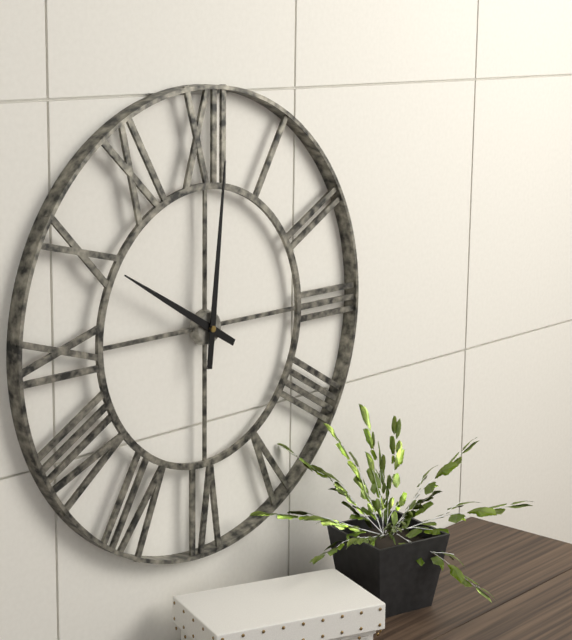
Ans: 10:01
